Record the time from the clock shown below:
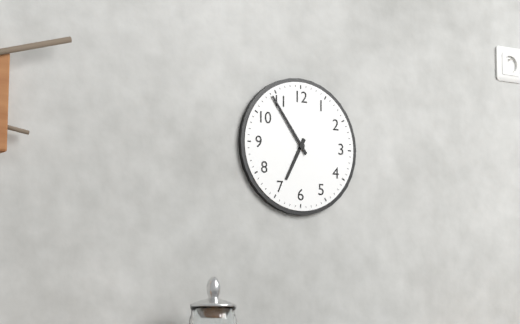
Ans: 6:54
